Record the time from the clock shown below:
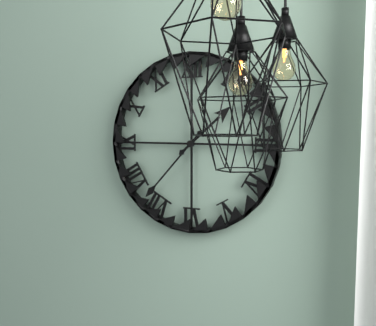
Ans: 1:37
